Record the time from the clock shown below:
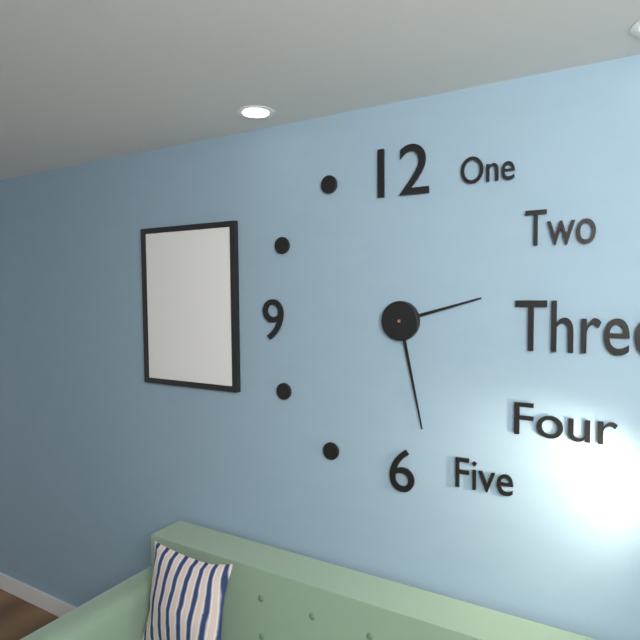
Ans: 2:28
